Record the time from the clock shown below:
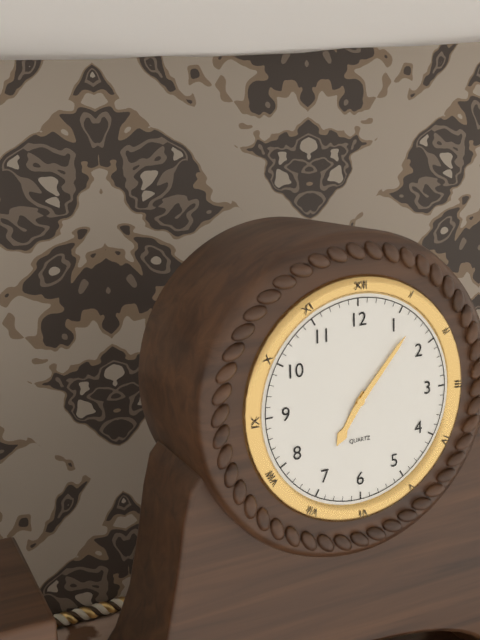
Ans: 7:07
